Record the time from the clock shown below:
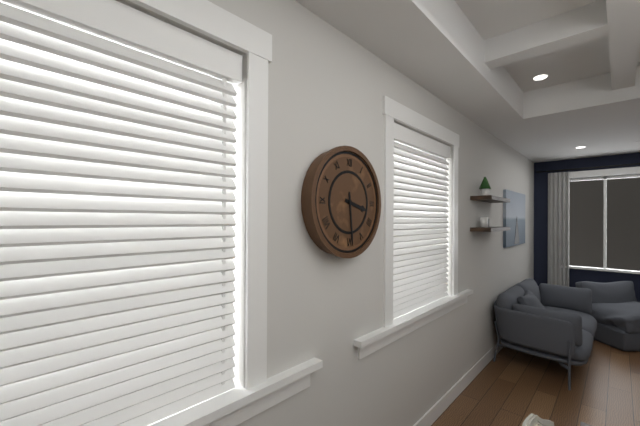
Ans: 3:29
